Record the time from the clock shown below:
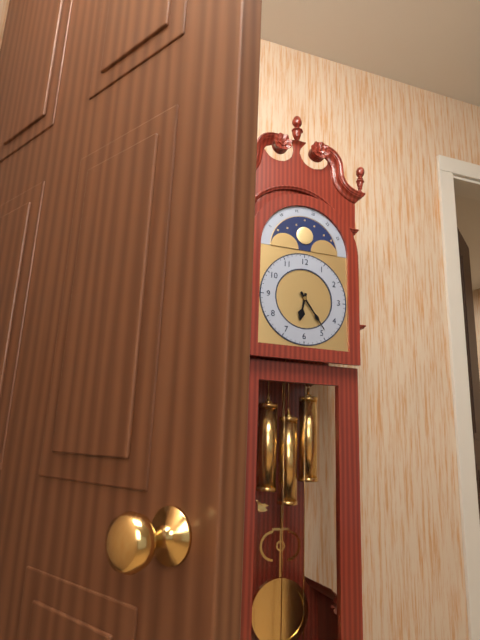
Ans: 6:24
